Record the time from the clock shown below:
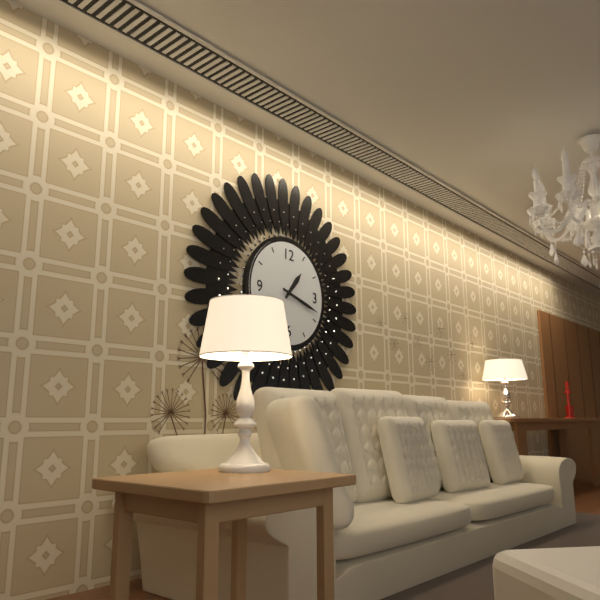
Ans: 1:18
